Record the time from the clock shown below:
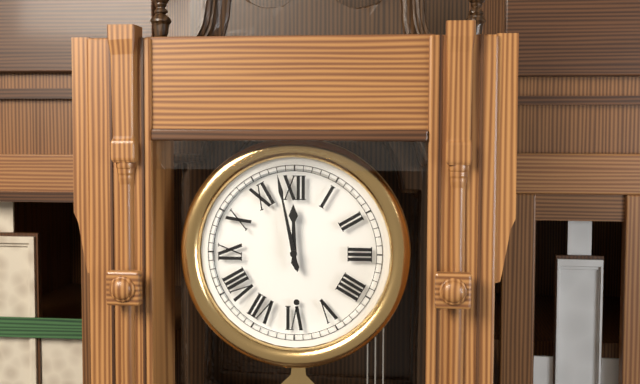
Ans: 11:58
